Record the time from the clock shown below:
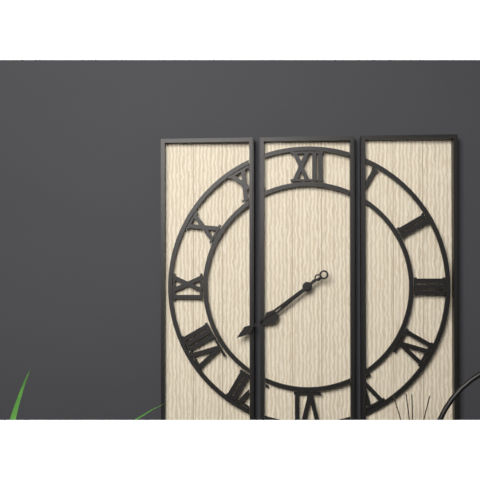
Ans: 7:39
